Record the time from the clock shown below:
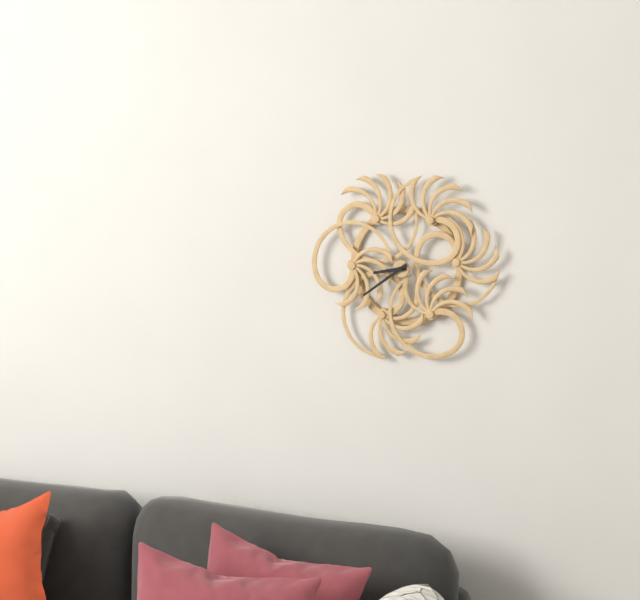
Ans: 8:39
